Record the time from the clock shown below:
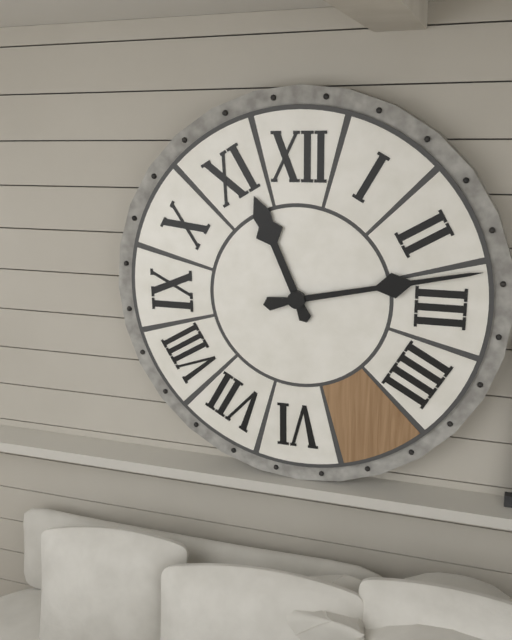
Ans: 11:13
